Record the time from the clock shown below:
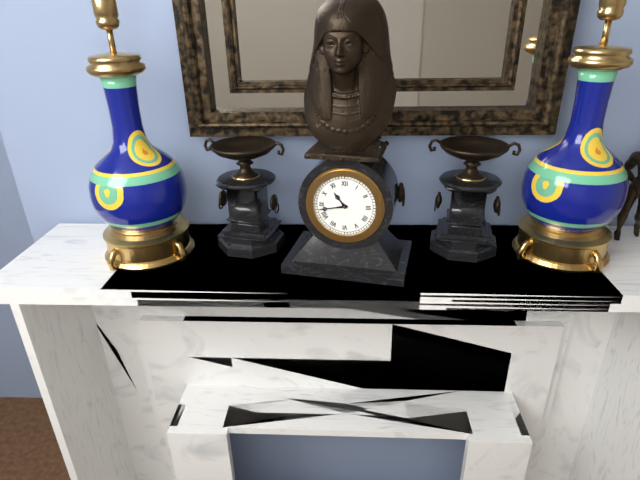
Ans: 10:43
